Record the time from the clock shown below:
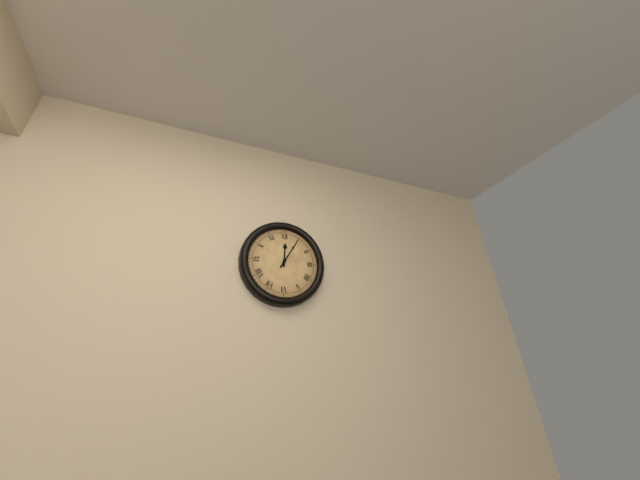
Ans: 12:05
